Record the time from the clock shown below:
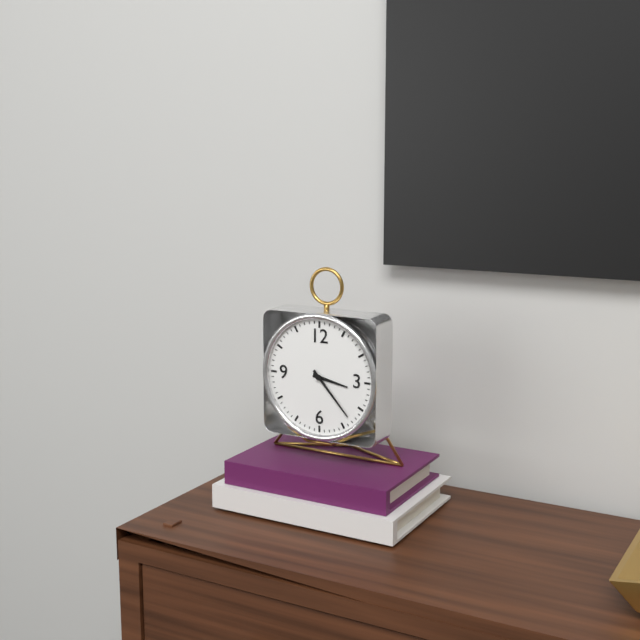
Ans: 3:23
